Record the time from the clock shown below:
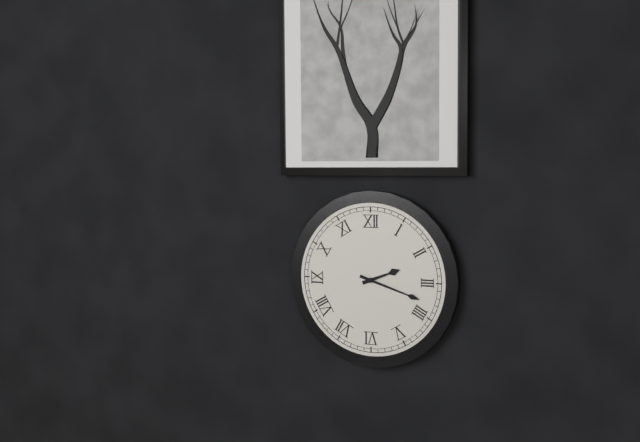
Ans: 2:18
